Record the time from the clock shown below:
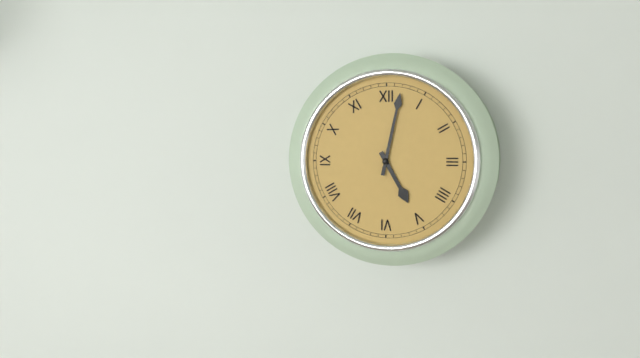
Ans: 5:02
